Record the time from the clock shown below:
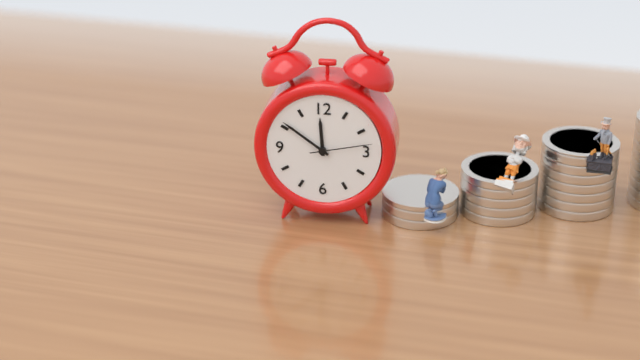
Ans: 11:51:13
